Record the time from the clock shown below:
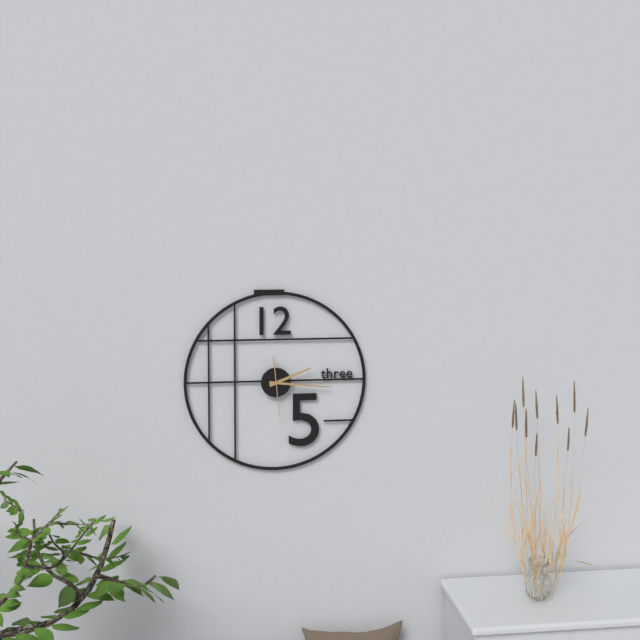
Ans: 2:16
